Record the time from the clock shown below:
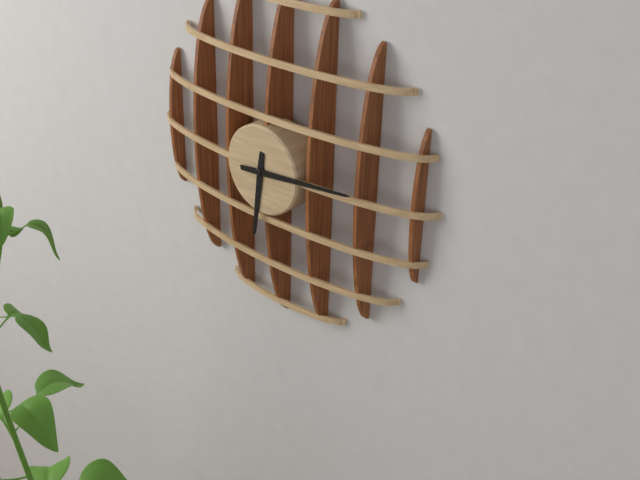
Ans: 6:14
